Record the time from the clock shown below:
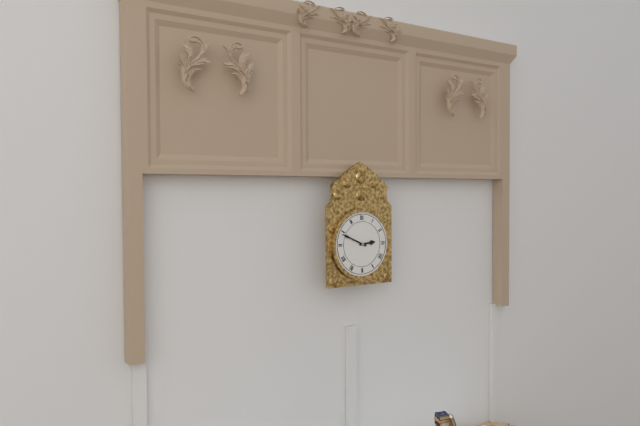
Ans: 2:49
